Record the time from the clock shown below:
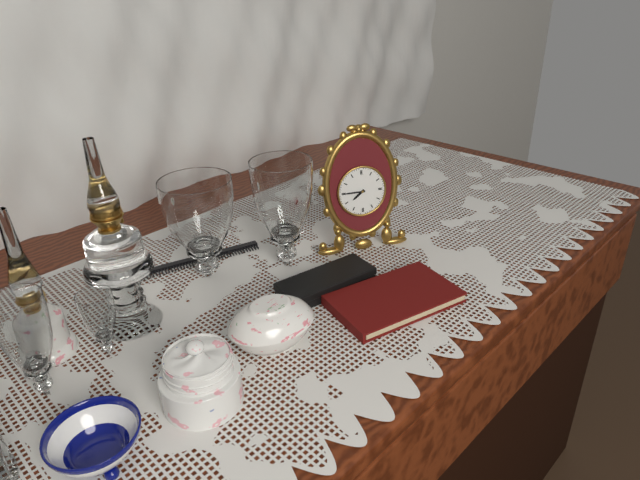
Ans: 7:45
